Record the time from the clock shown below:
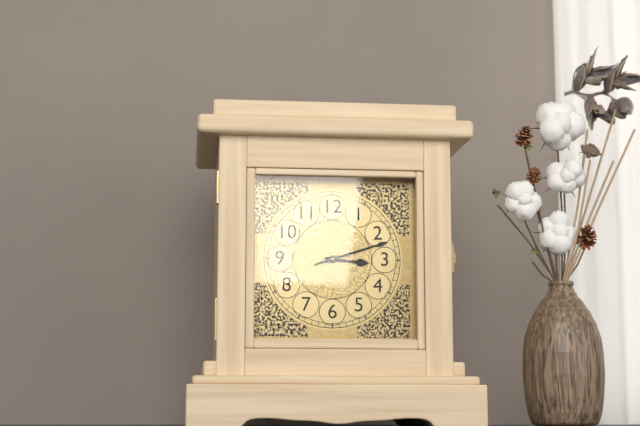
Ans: 3:12
